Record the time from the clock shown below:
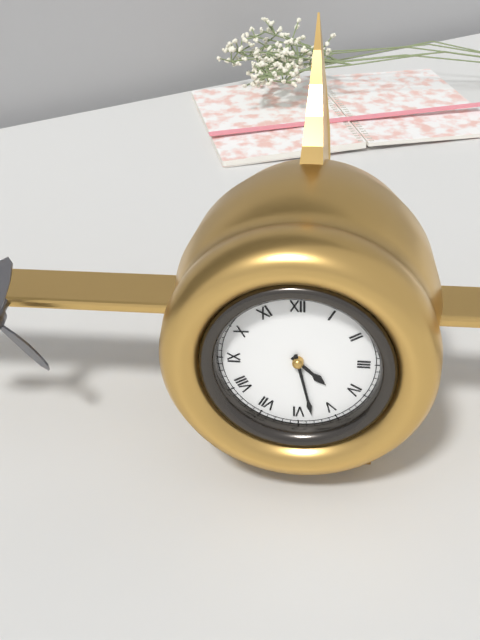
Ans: 4:28
